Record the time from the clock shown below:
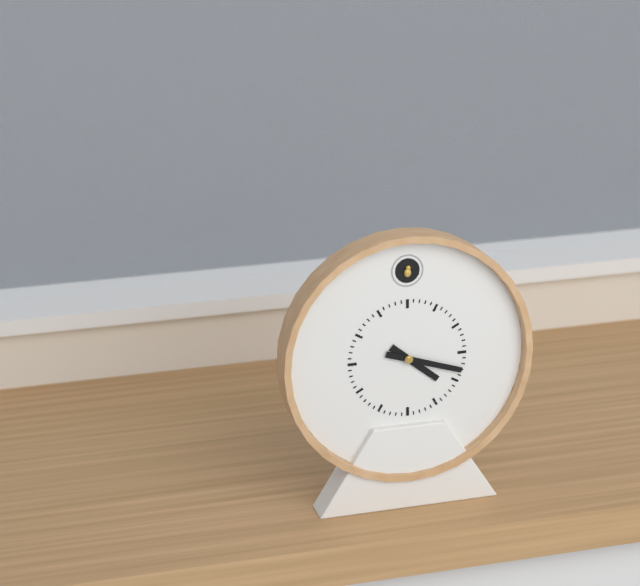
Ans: 4:18
